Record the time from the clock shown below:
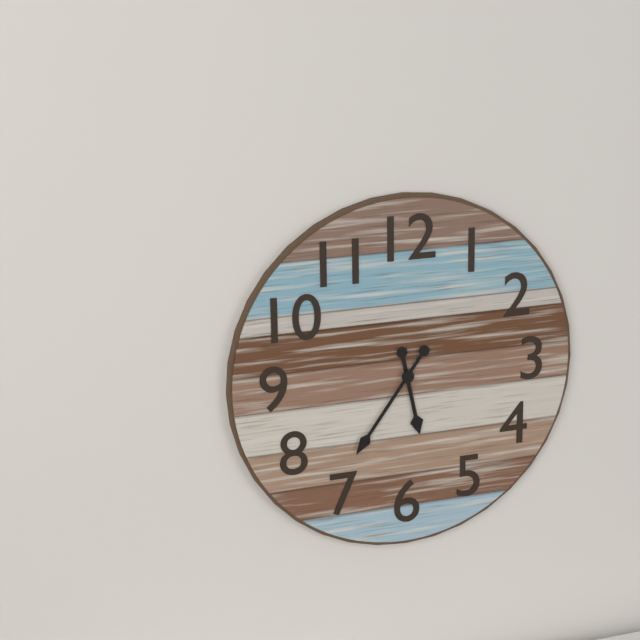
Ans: 5:36
